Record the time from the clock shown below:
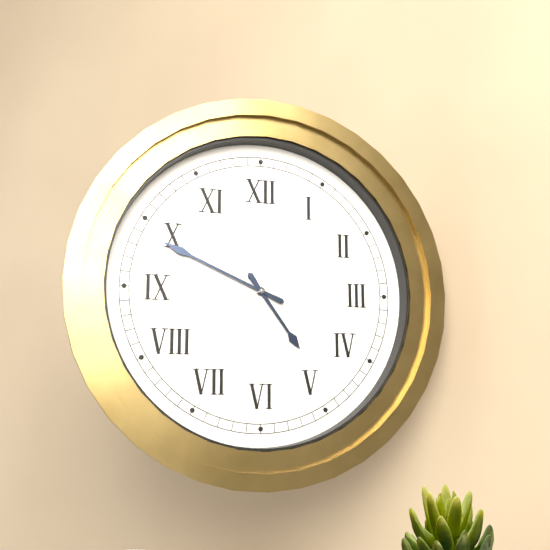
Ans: 4:49:12
